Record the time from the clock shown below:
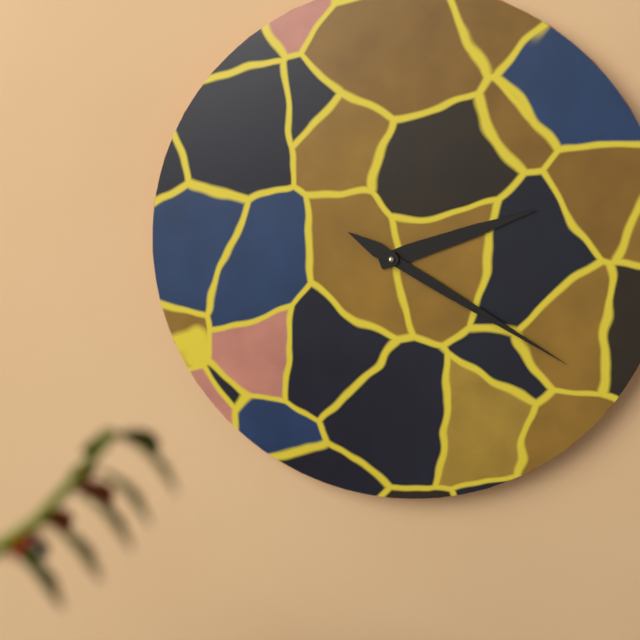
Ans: 2:20
